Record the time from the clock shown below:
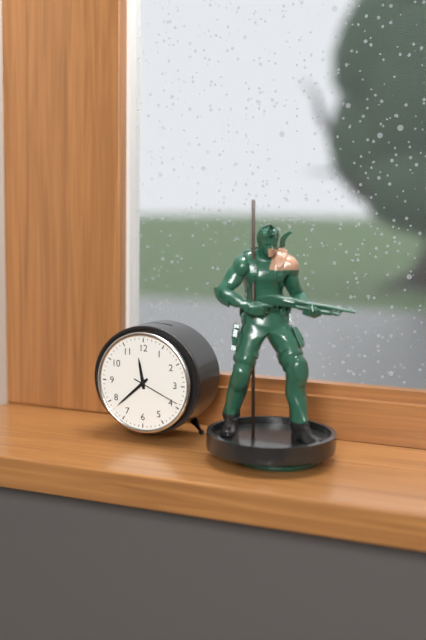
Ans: 11:38
